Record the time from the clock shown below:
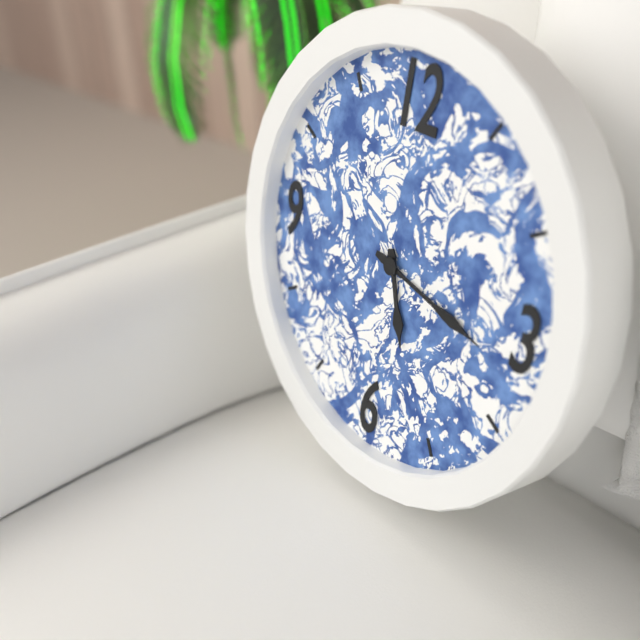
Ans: 5:17
